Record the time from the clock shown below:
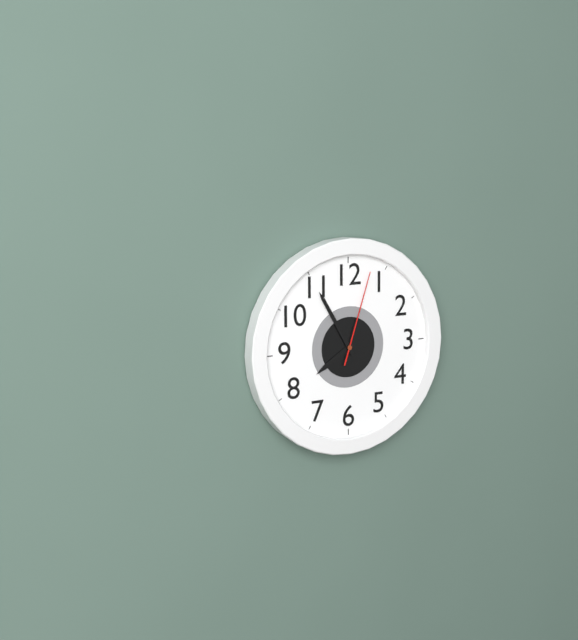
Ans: 7:55:03
